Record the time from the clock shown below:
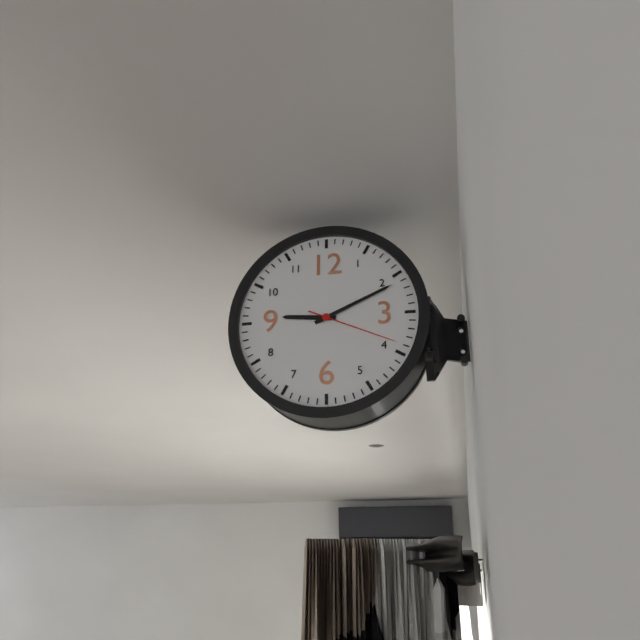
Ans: 9:11:19
